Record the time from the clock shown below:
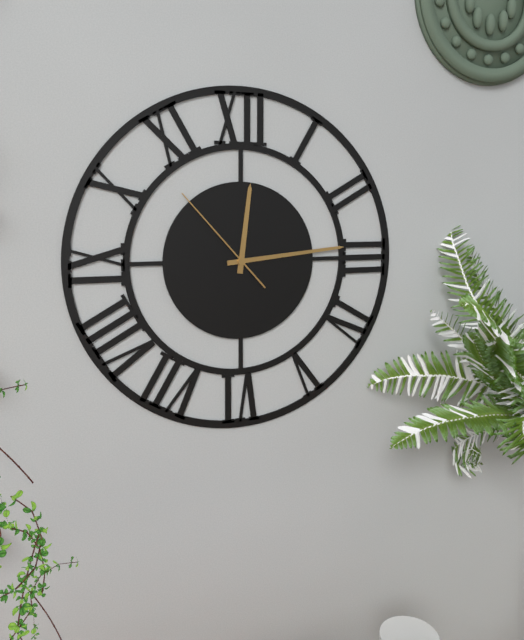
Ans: 12:14:53
